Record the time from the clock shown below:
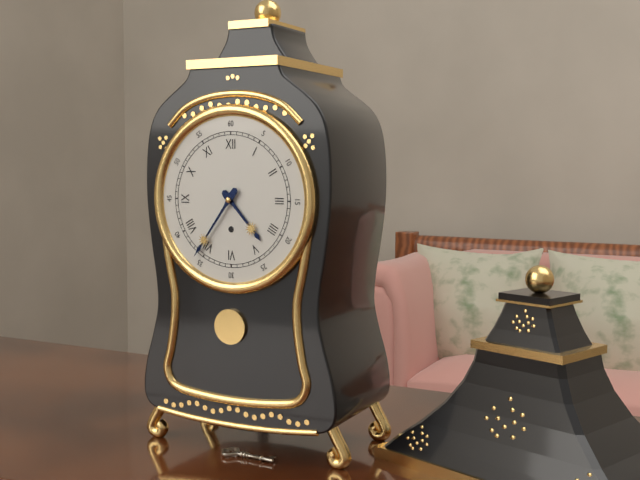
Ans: 4:36
